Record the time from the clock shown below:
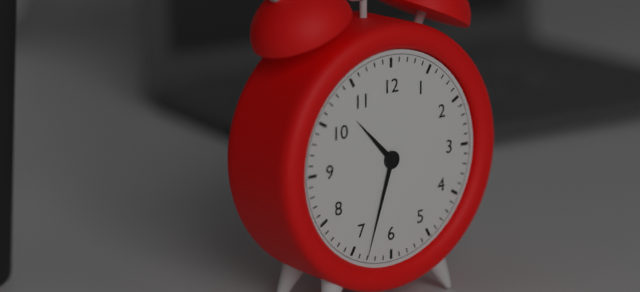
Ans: 10:33
